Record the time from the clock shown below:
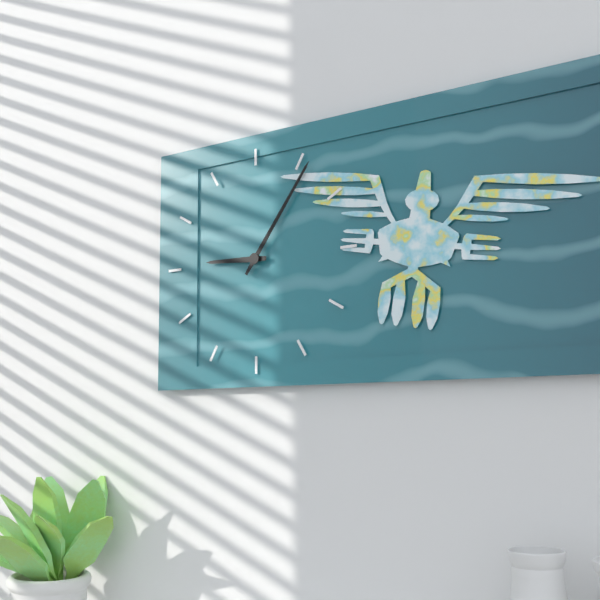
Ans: 9:06
